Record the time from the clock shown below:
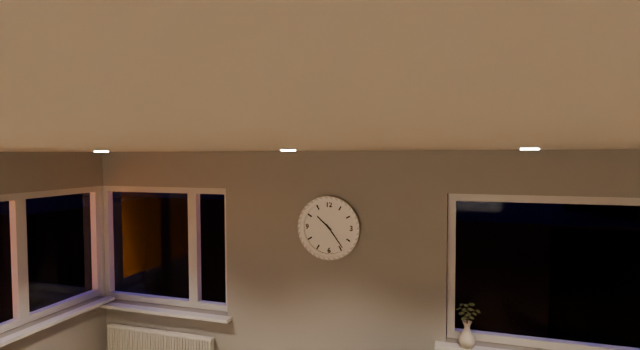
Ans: 10:24
